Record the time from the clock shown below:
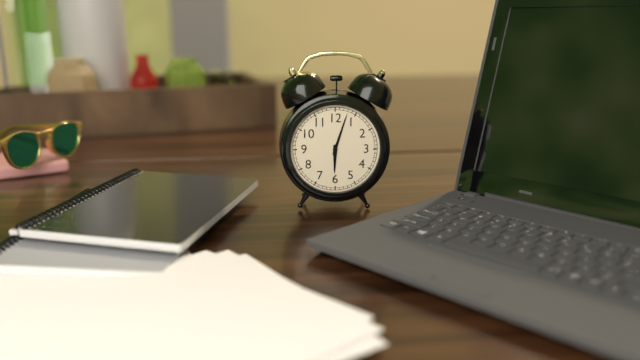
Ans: 6:03
